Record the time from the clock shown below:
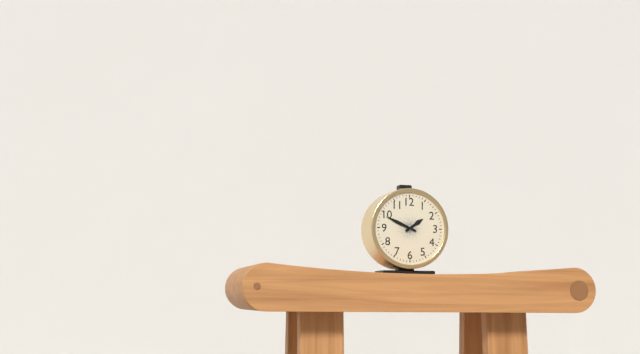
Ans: 1:49
